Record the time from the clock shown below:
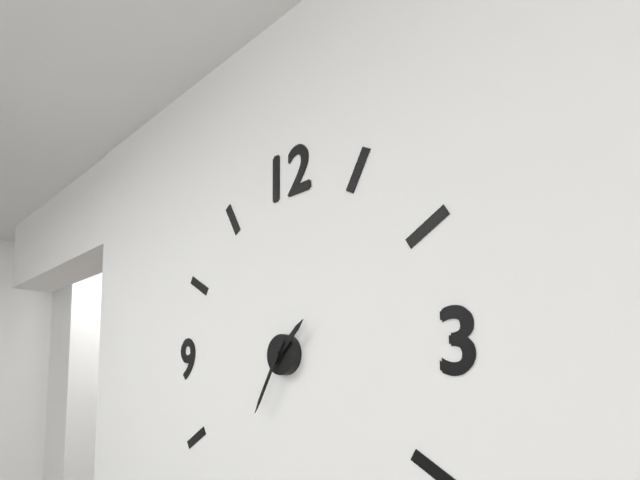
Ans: 1:35
